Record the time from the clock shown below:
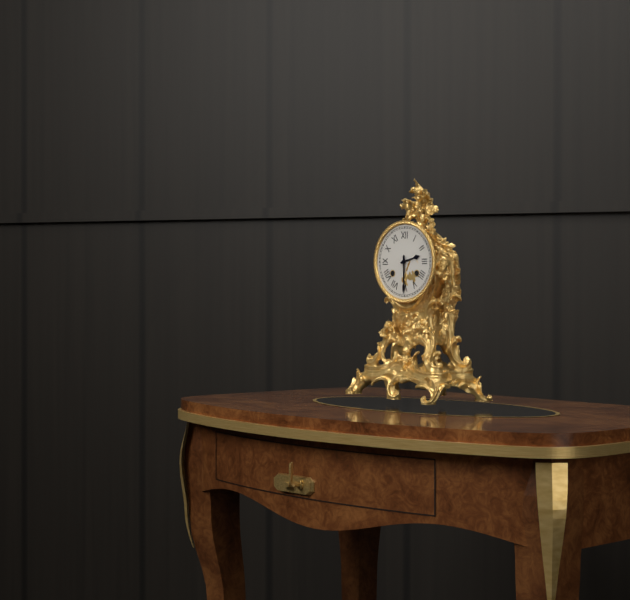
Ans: 2:30
